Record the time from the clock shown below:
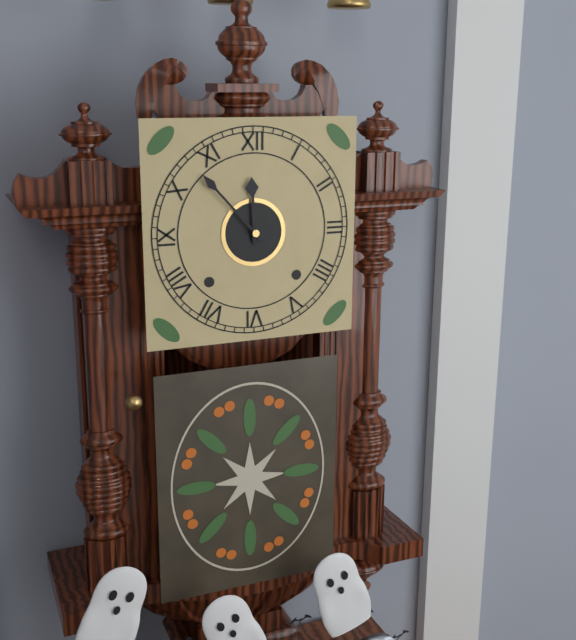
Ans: 11:53
